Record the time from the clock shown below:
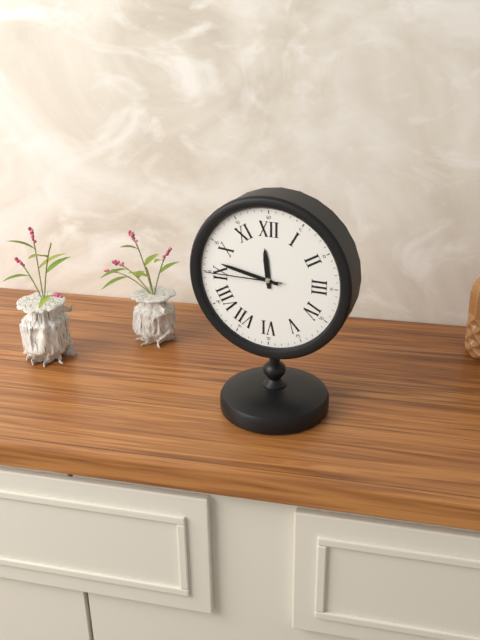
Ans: 11:47:45
